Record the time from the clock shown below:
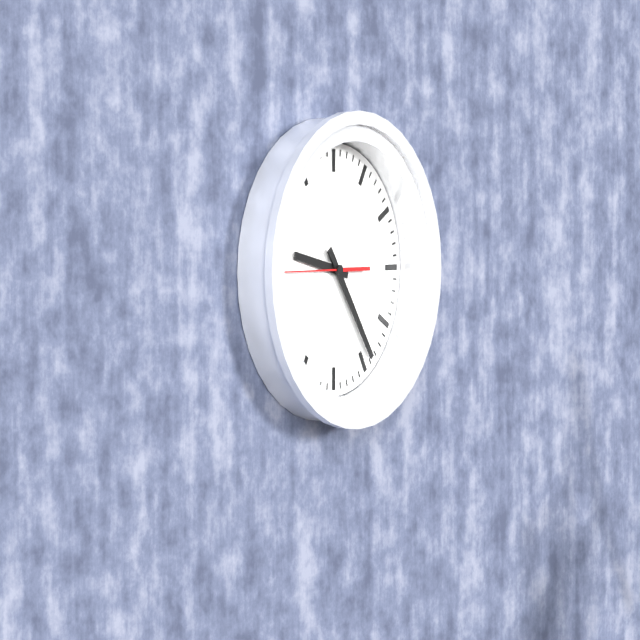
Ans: 9:24:45
